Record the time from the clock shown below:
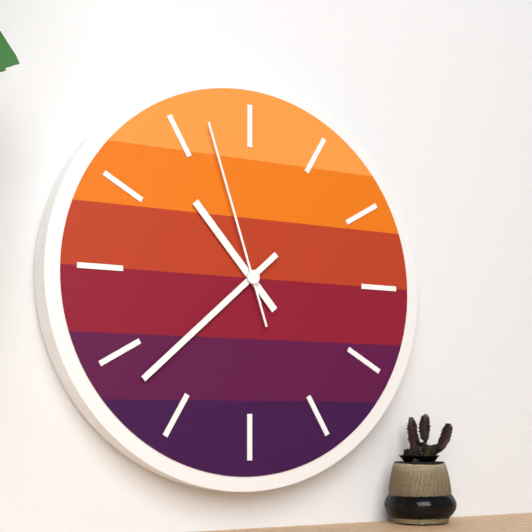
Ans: 10:38:57
